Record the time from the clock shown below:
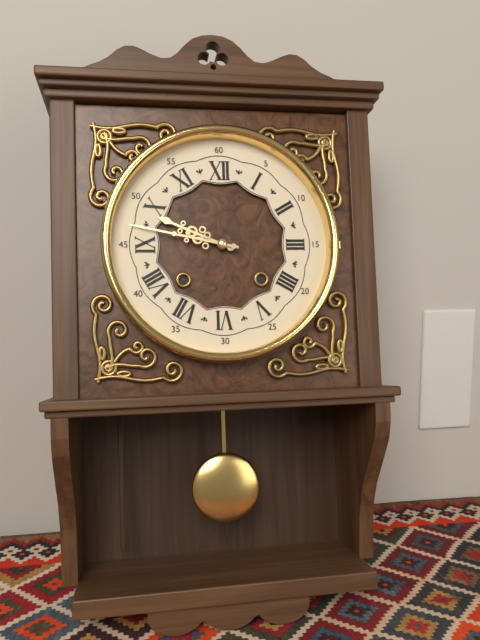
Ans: 9:47
